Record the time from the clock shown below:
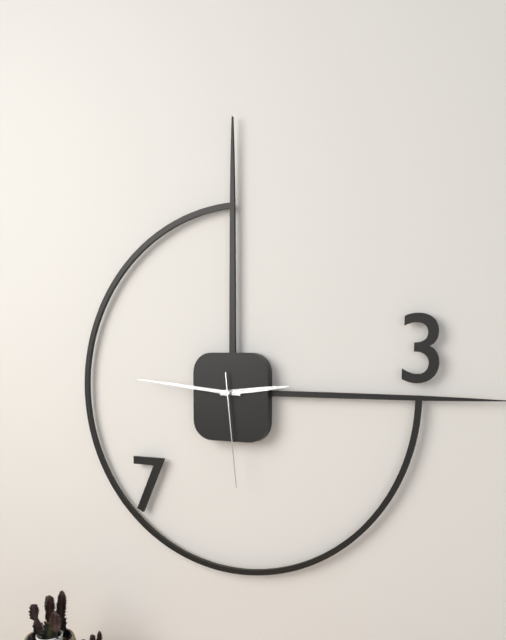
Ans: 2:46:29
